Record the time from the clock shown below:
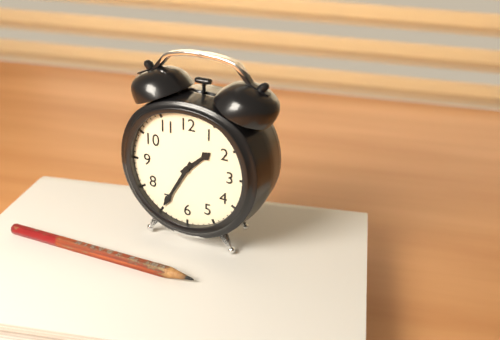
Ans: 1:35
